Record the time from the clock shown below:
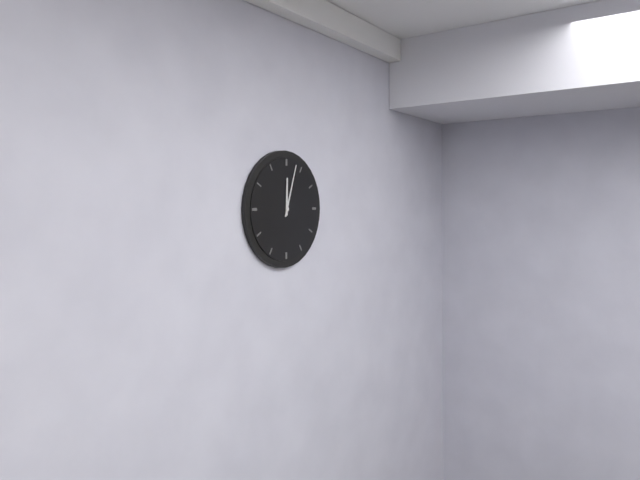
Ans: 12:03
